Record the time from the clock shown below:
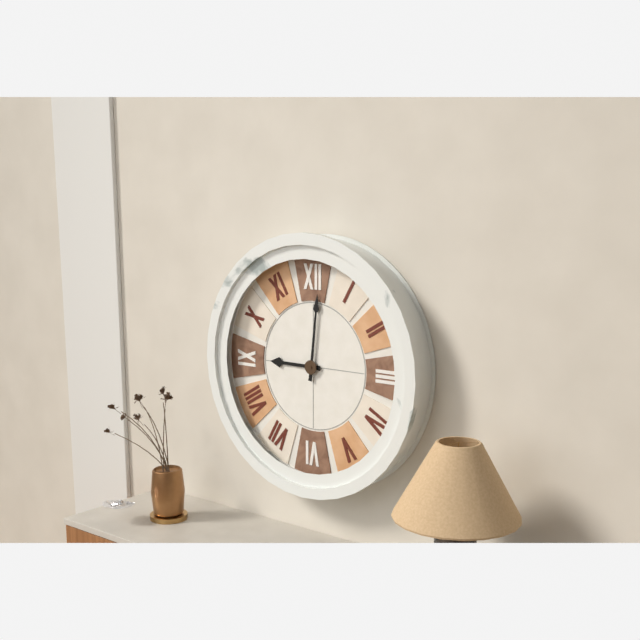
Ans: 9:01
